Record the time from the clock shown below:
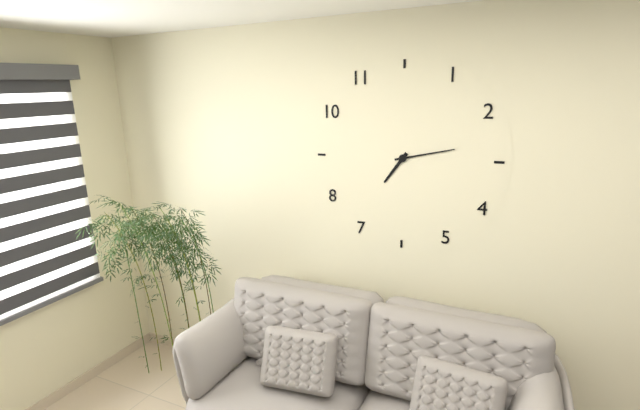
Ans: 7:13
